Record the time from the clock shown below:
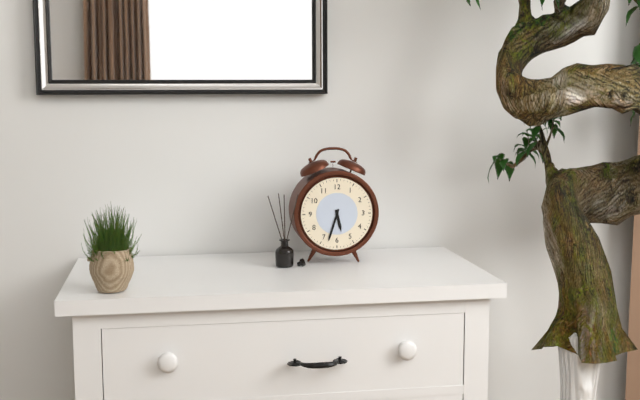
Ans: 5:33
